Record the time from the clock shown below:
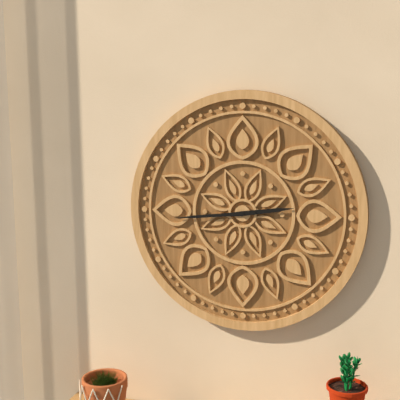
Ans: 2:44
